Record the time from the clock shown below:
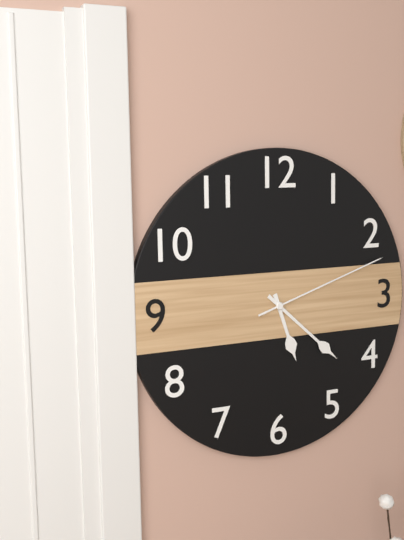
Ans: 5:22:12
